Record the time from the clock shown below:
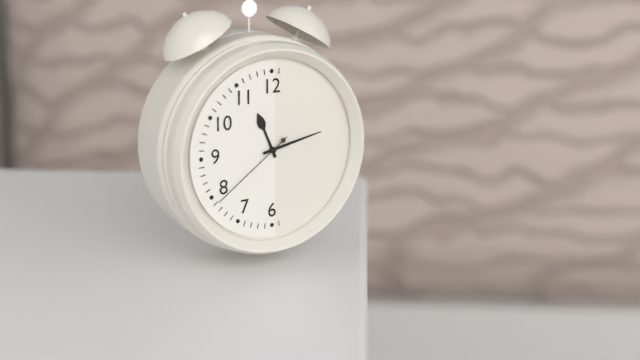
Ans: 11:13:39
